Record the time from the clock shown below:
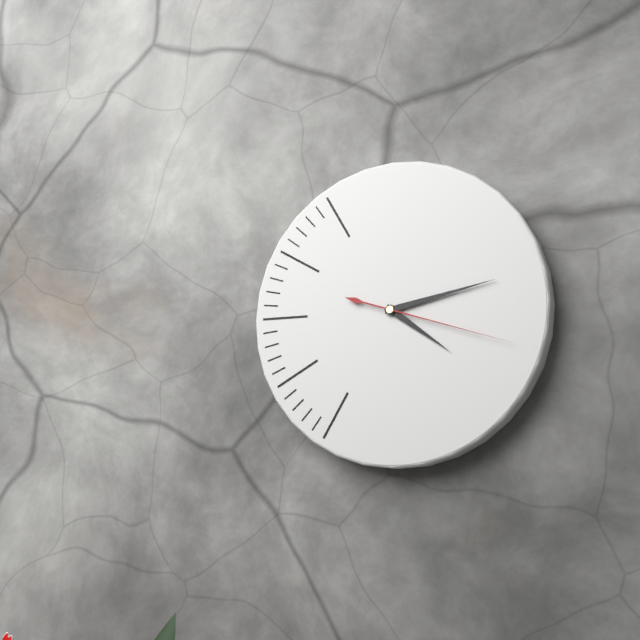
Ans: 4:13:18
